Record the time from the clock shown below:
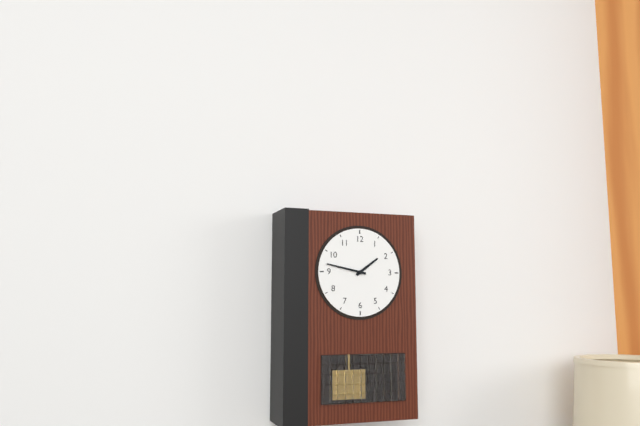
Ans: 1:47
